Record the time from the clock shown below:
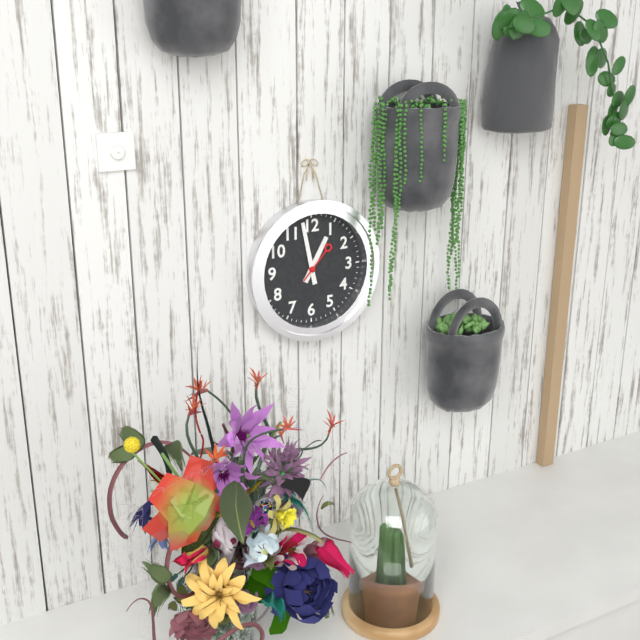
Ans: 12:58
